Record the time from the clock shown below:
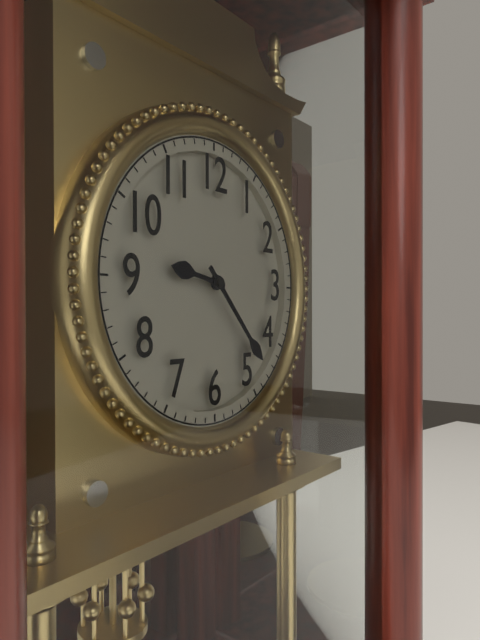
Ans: 9:23
